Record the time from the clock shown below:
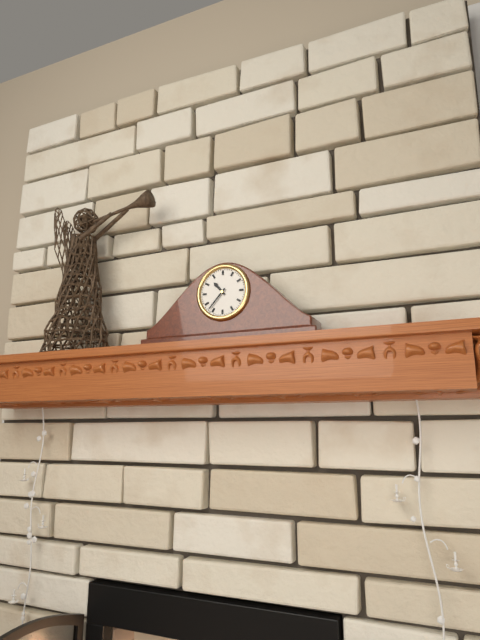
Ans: 10:37
